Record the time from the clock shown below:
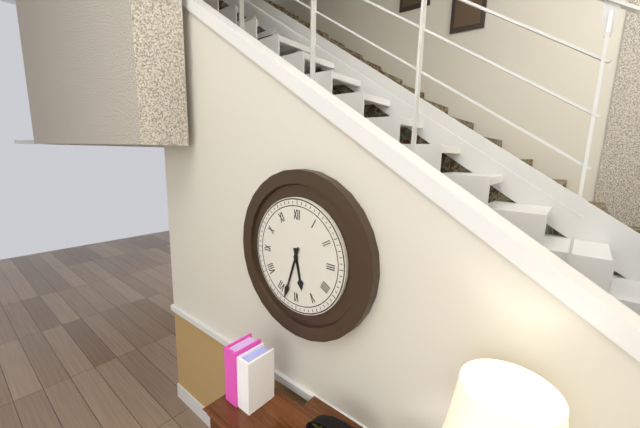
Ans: 5:33
